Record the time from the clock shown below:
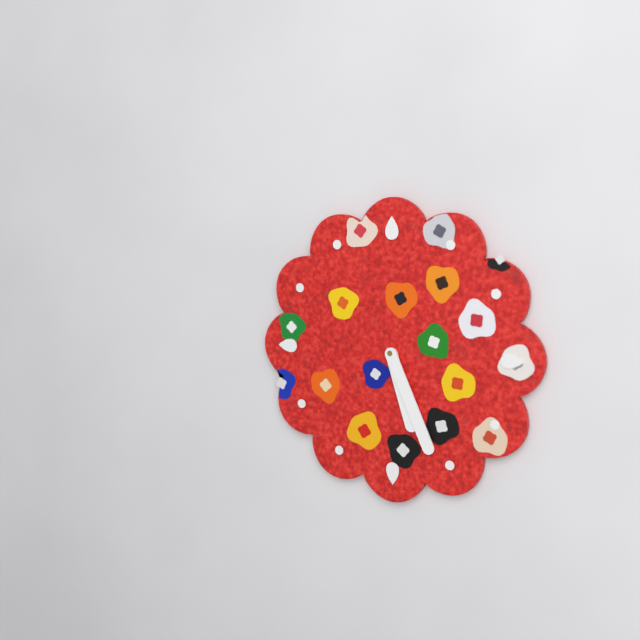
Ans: 5:26
